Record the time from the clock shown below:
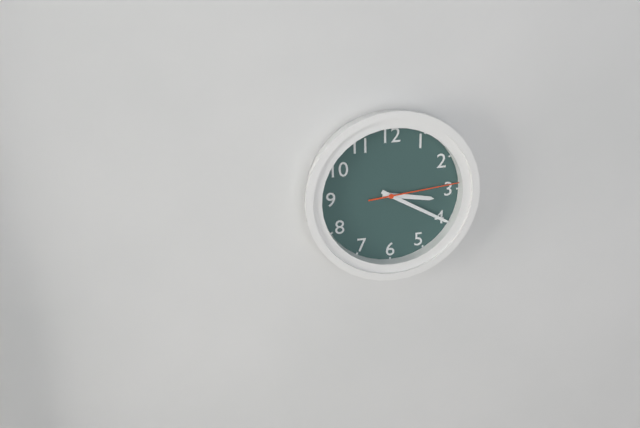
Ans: 3:20:14
